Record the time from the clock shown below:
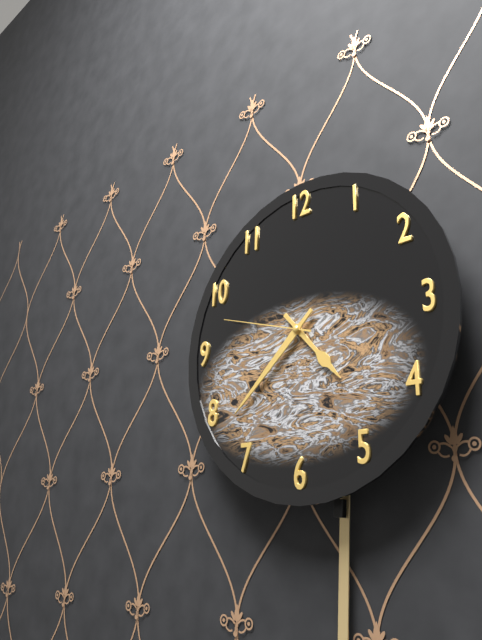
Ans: 4:38:48
